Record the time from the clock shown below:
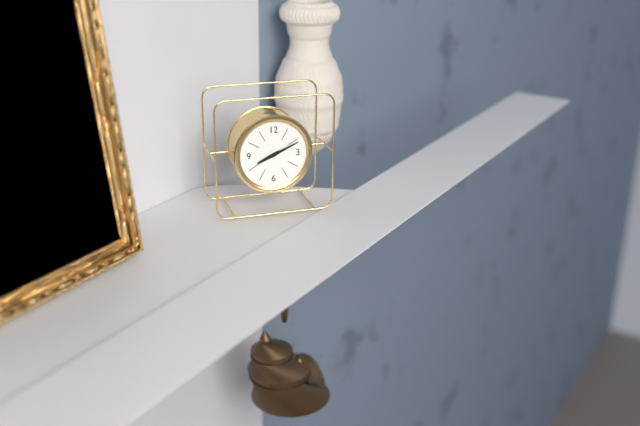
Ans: 8:11
